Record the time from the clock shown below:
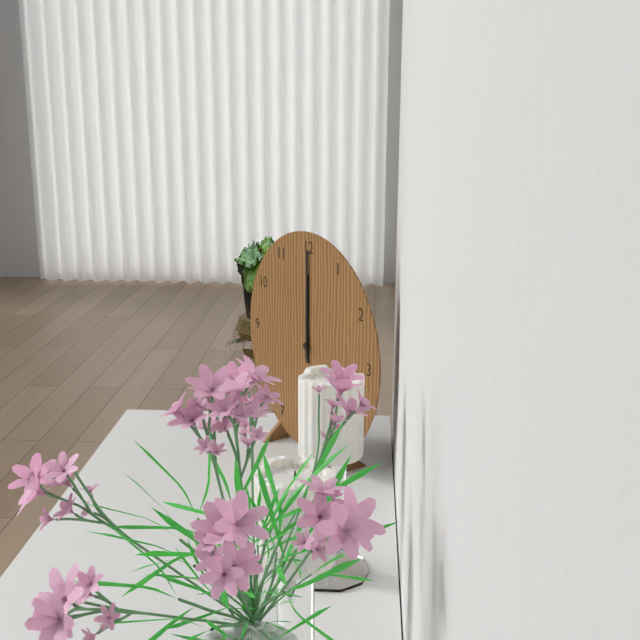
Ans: 12:00
